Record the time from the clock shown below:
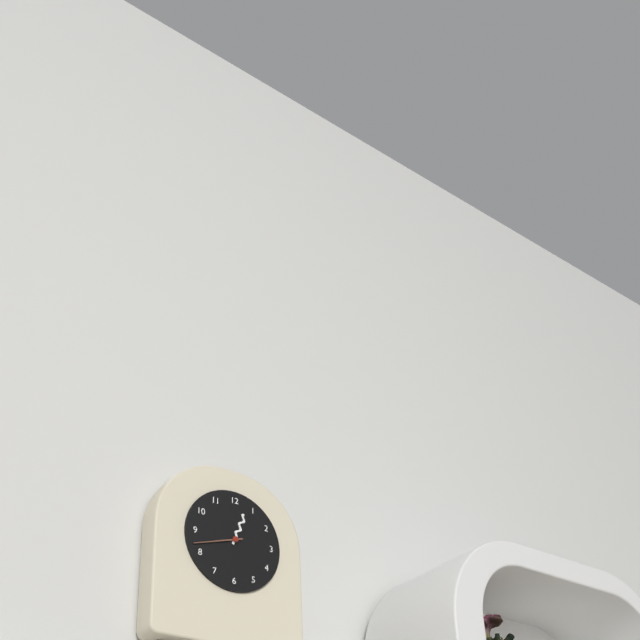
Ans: 12:42
